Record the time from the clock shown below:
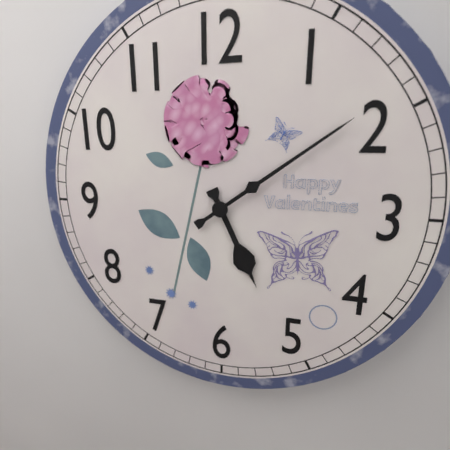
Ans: 5:09
